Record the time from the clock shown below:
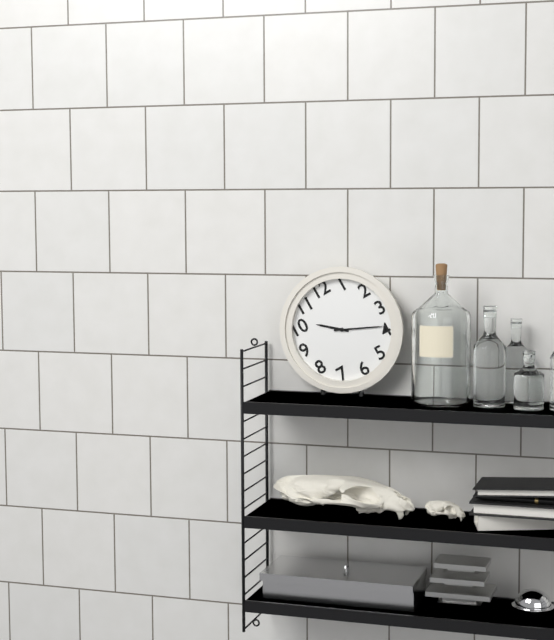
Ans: 10:19
